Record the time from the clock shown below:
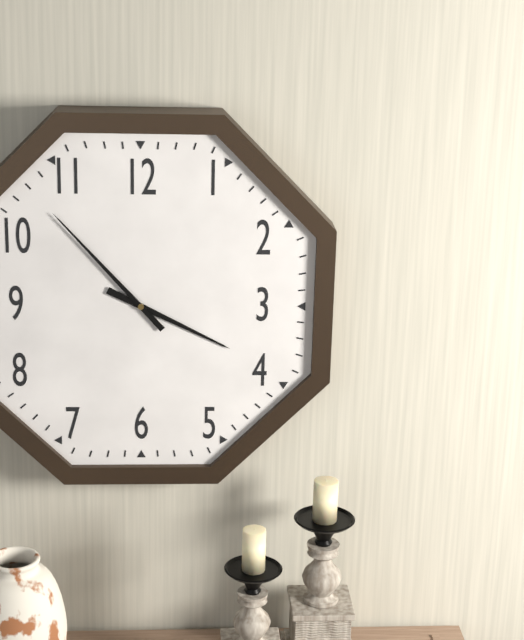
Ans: 3:53
